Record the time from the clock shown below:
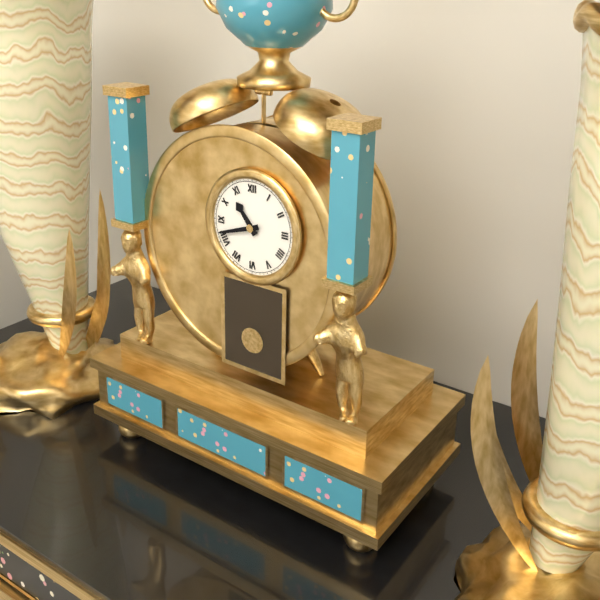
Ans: 10:42
